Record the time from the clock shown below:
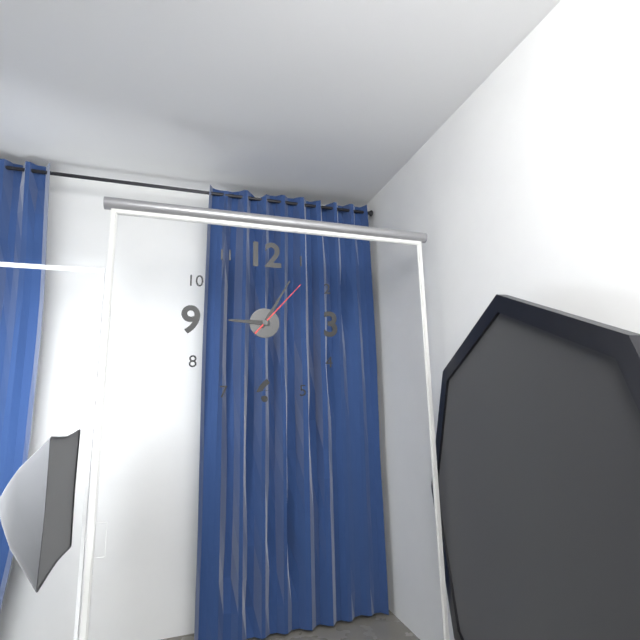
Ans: 9:05:07
